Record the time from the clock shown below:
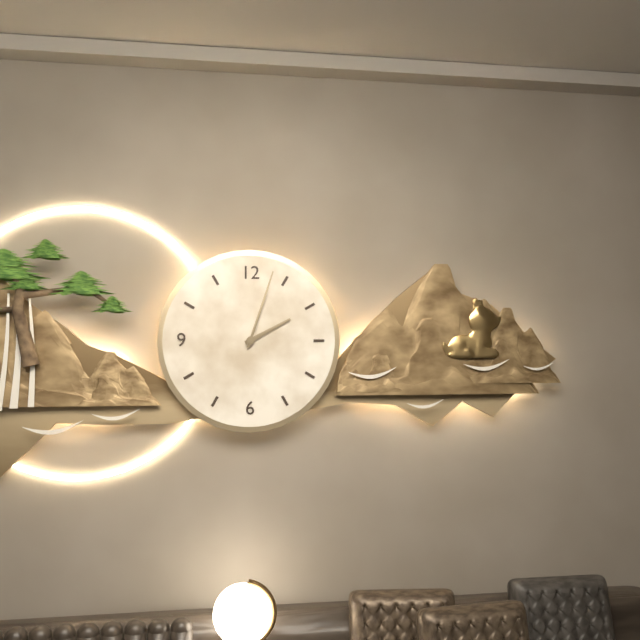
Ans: 2:03
